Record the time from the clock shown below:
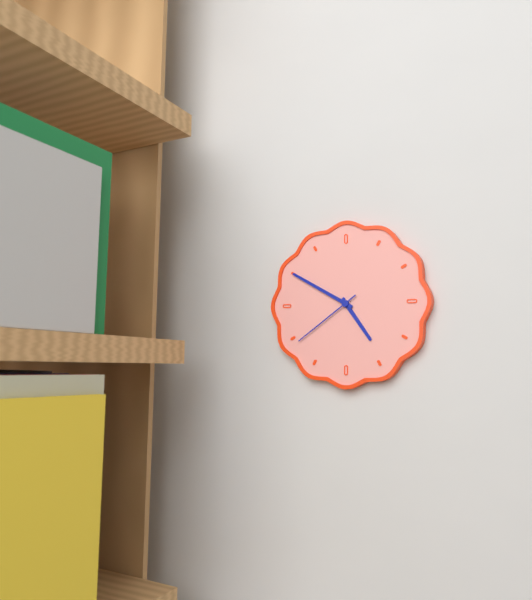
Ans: 4:50:39
